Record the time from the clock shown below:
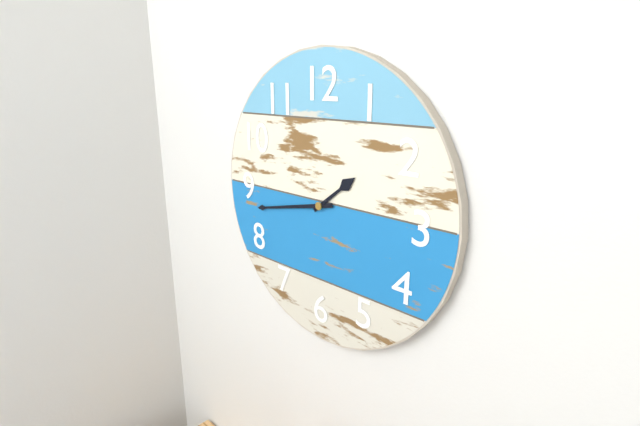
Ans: 1:43
